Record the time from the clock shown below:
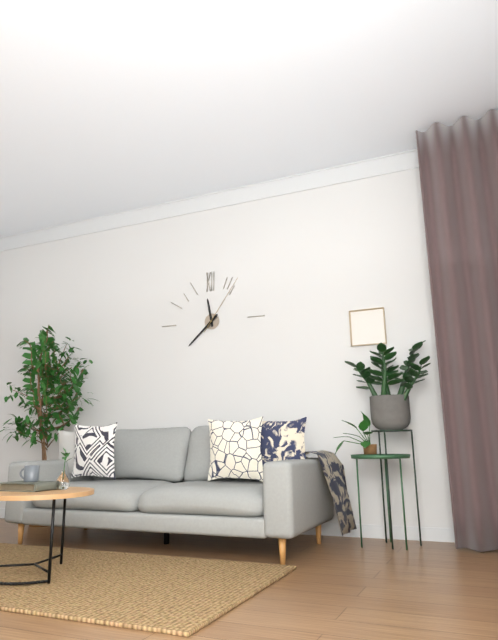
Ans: 11:38:06
